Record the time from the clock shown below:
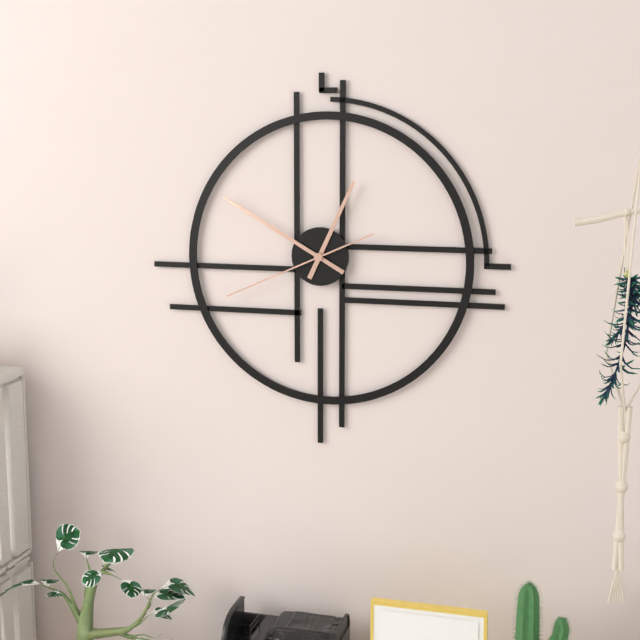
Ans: 12:50:41
